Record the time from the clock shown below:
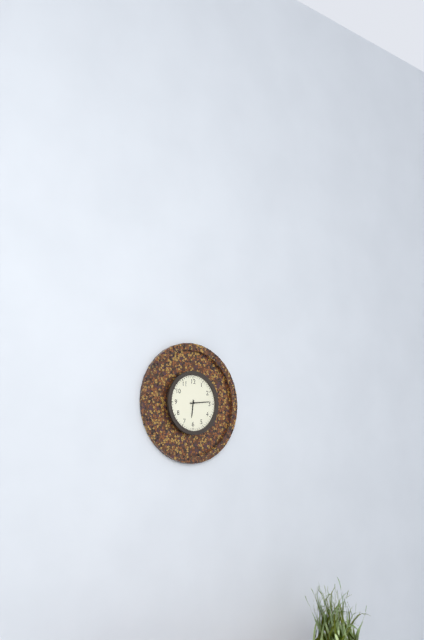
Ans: 6:14
